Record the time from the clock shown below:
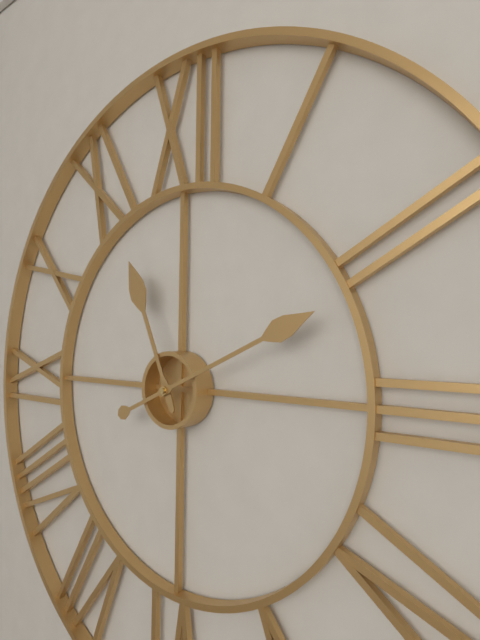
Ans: 11:11
